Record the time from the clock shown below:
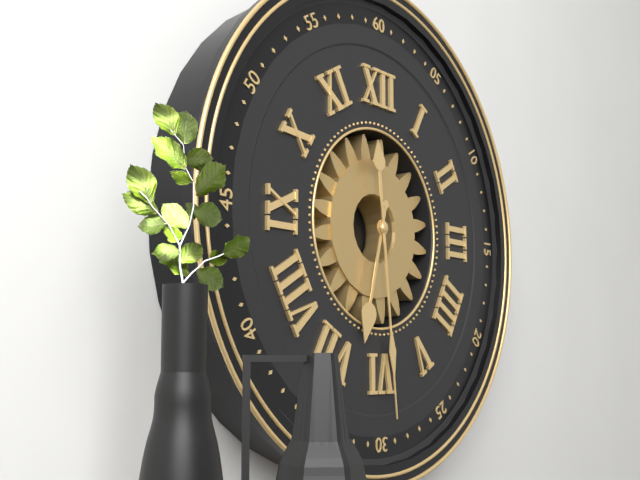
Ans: 6:29
